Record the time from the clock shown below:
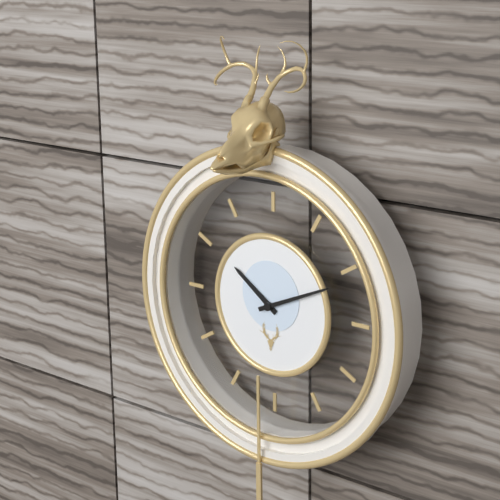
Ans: 10:11
